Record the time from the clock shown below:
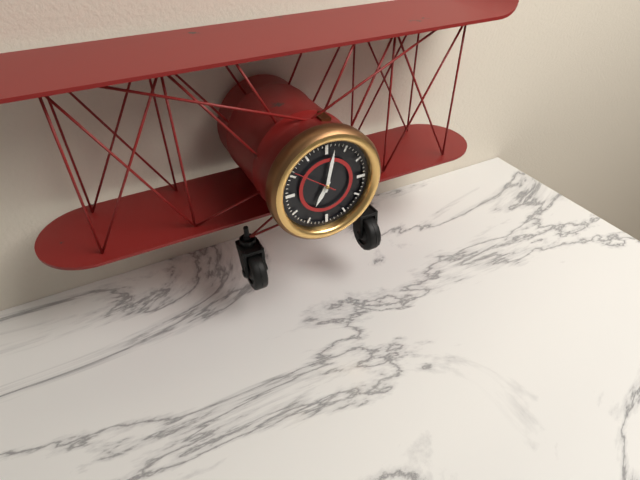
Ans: 7:02
